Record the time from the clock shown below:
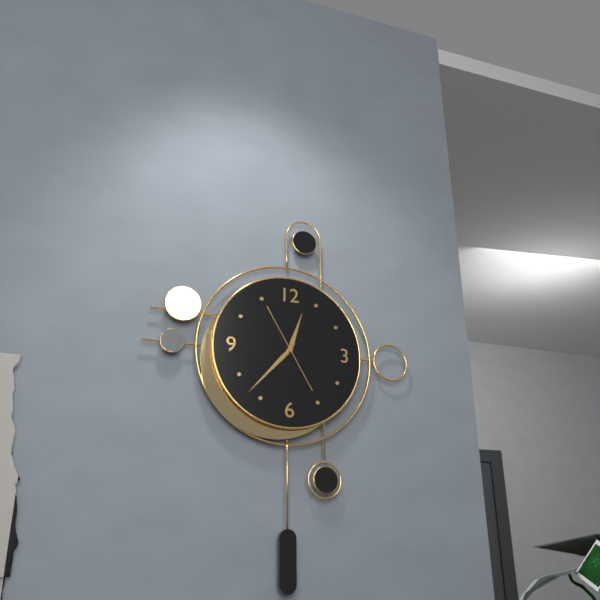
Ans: 12:37:55
